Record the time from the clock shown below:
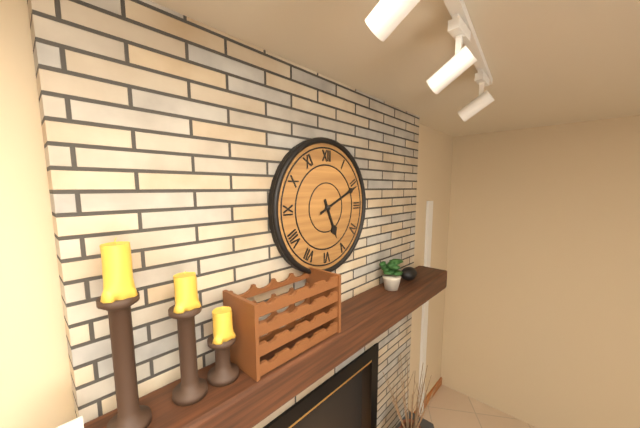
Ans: 5:11
